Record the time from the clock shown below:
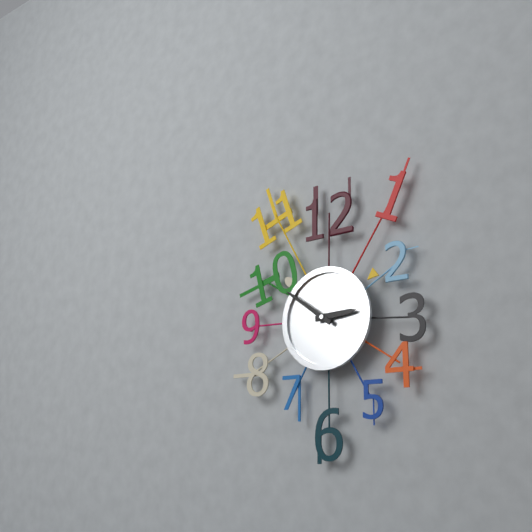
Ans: 2:51
